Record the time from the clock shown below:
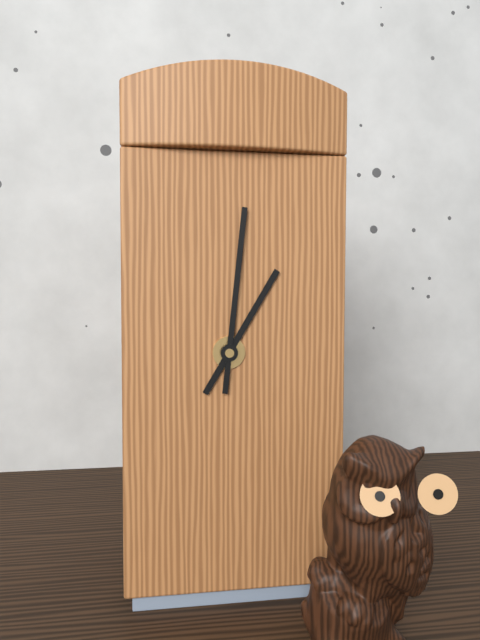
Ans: 1:01
